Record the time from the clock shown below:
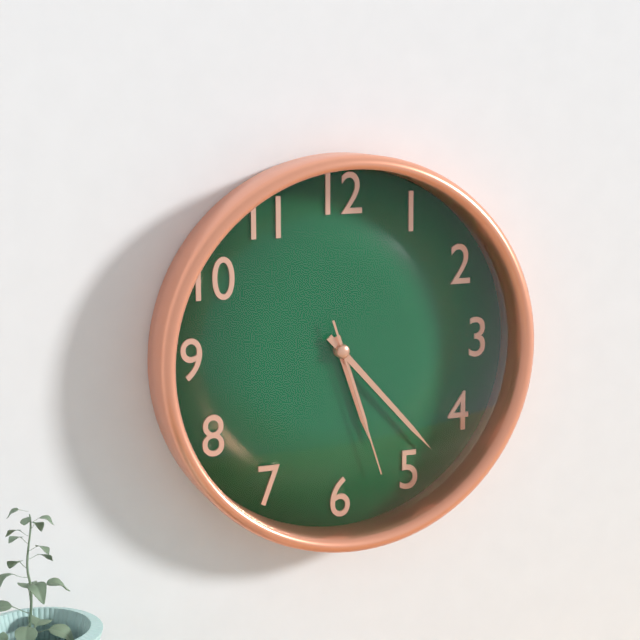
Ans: 5:23:27
